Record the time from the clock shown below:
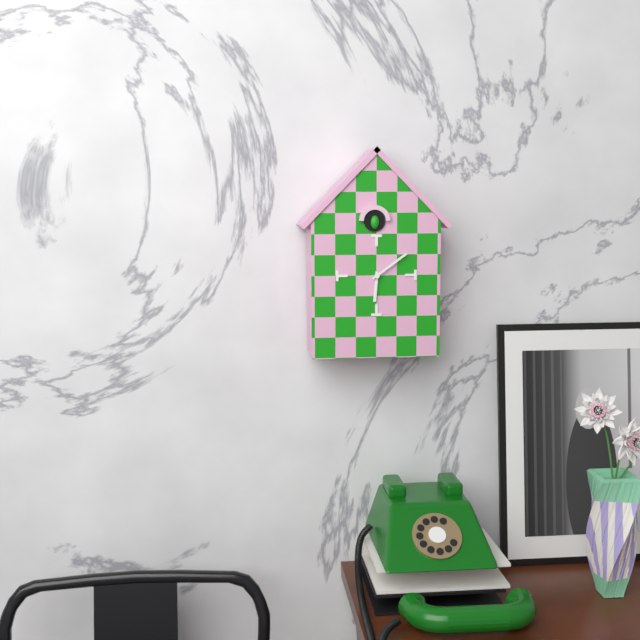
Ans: 6:09
